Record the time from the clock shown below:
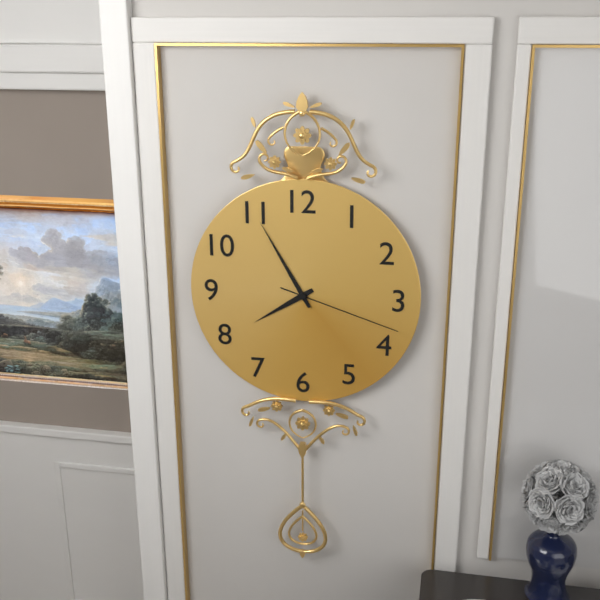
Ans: 7:55:18
